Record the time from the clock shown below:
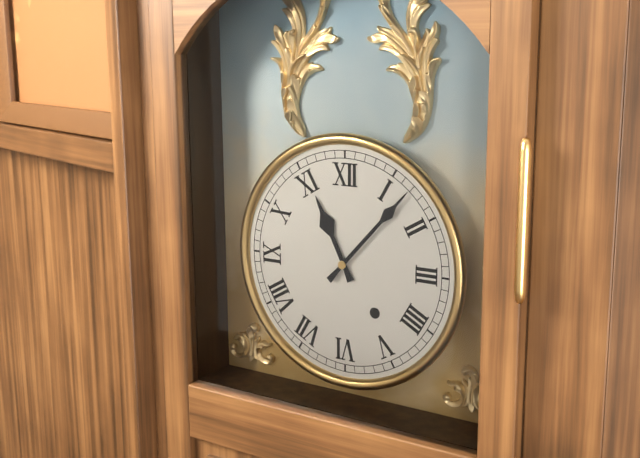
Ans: 11:07
